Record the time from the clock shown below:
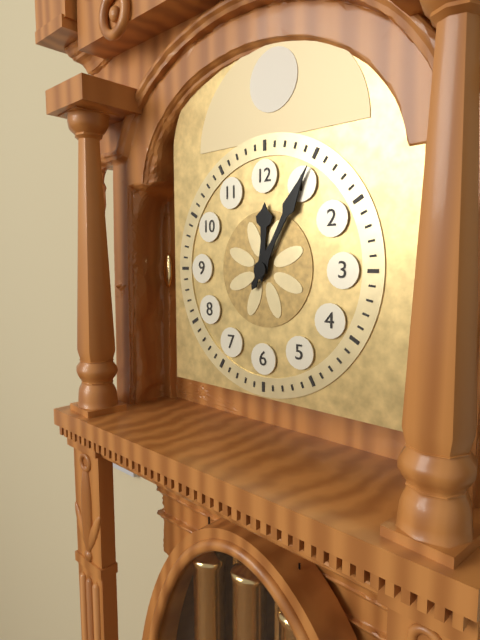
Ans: 12:05
